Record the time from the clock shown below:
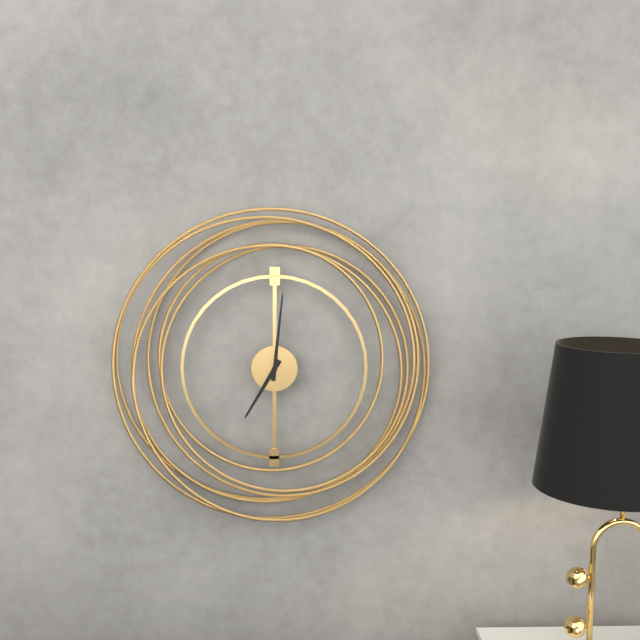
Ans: 7:01
